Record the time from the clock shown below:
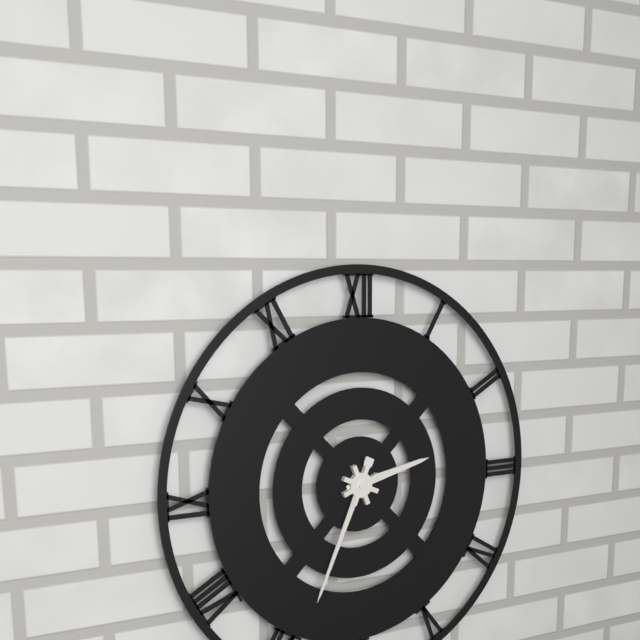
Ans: 2:34
